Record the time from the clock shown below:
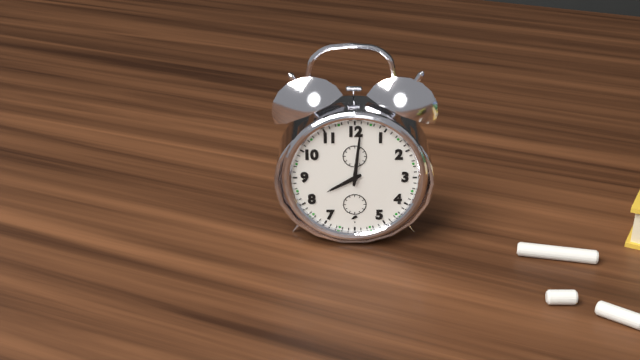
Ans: 8:01
